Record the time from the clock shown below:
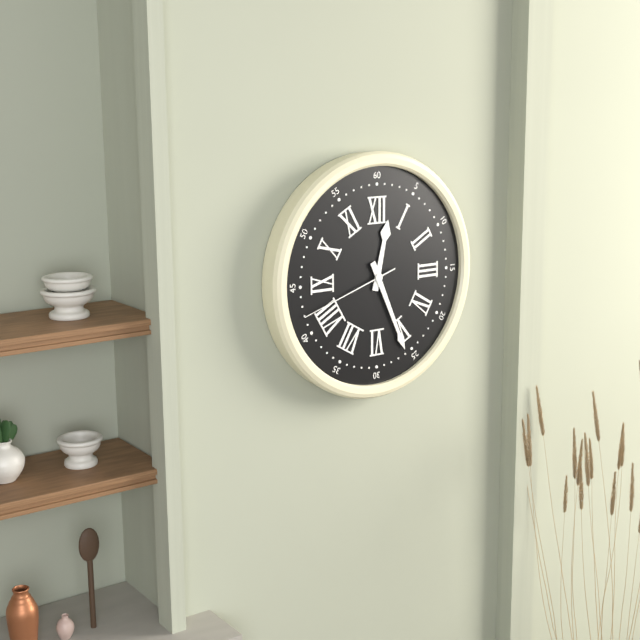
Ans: 12:26:42
